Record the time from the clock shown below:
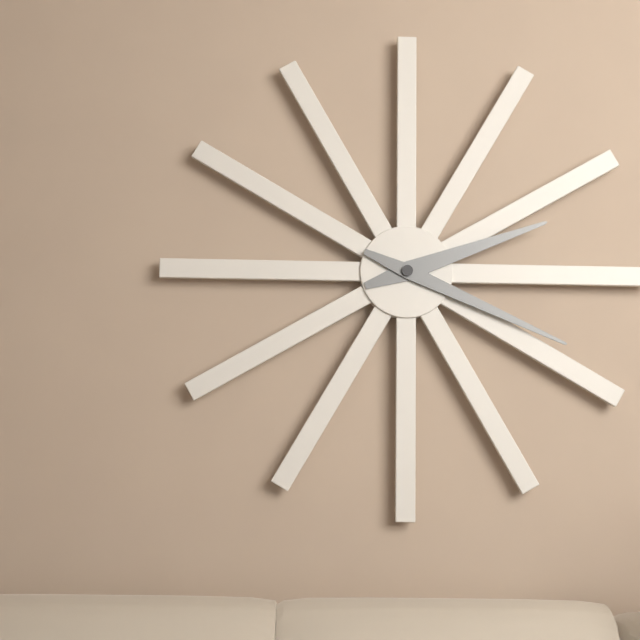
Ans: 2:19
